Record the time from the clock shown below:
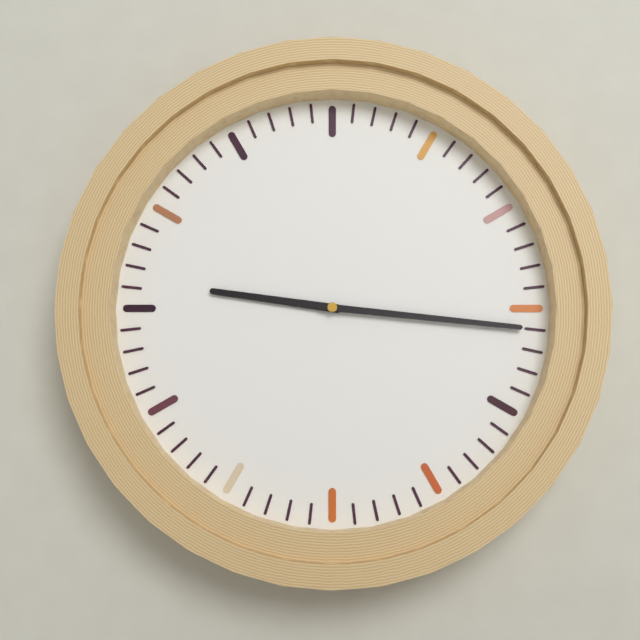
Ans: 9:16
